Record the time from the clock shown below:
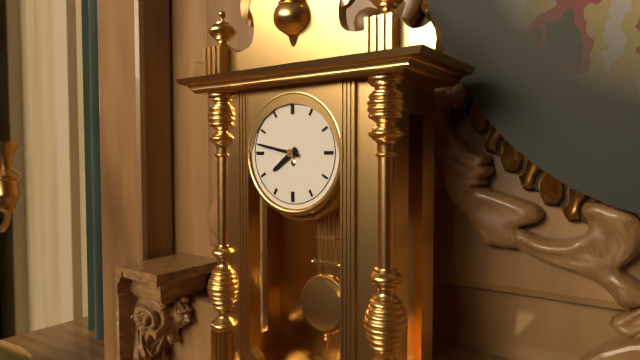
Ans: 7:47
